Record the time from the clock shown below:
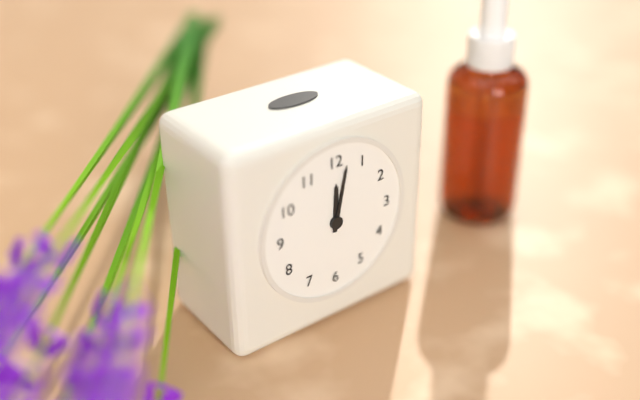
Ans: 12:02
